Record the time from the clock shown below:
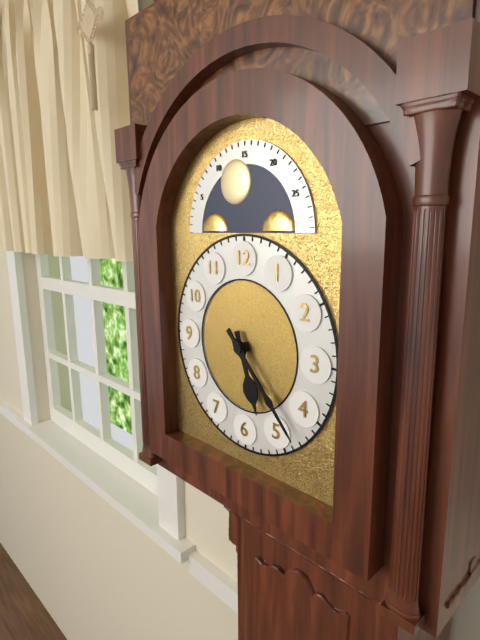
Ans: 5:23
